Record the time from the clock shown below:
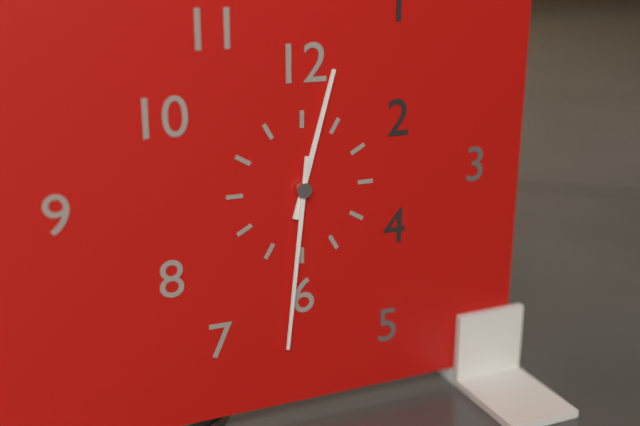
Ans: 12:31
